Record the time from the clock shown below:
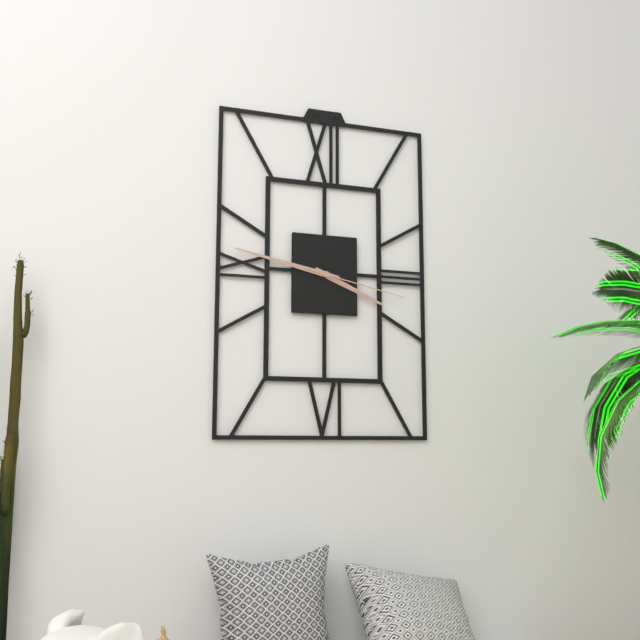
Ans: 3:47:17
